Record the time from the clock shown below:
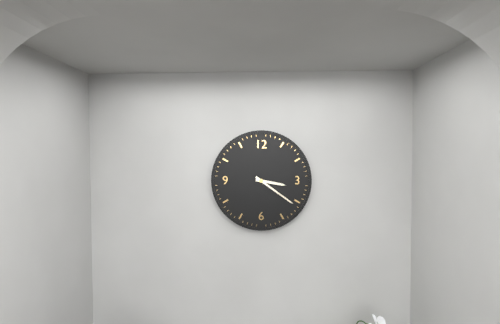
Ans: 3:21
